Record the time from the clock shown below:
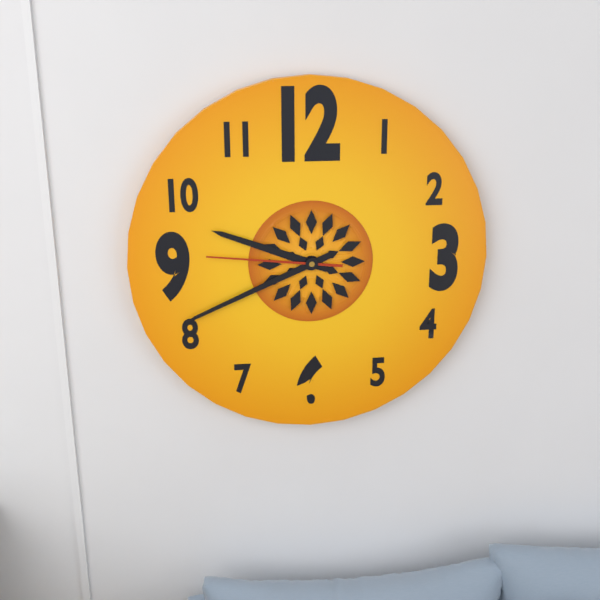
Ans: 9:41:46
